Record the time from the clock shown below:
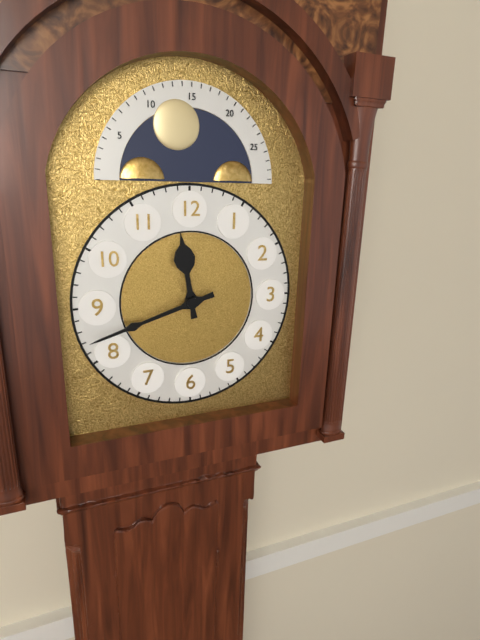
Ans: 11:42
